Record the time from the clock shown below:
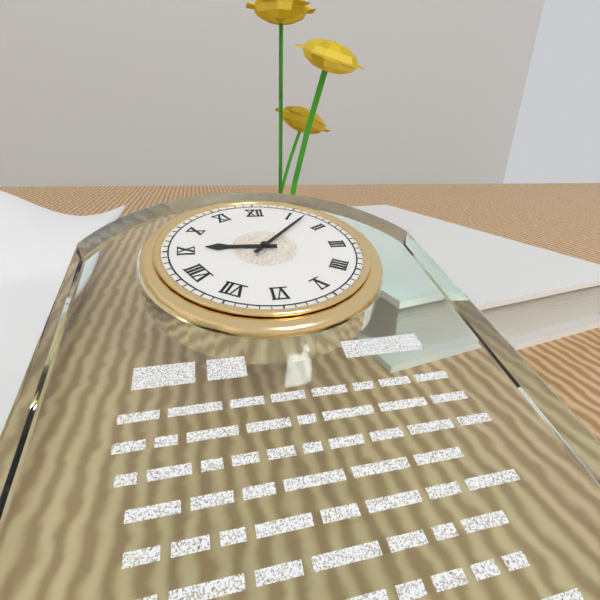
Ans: 9:07
